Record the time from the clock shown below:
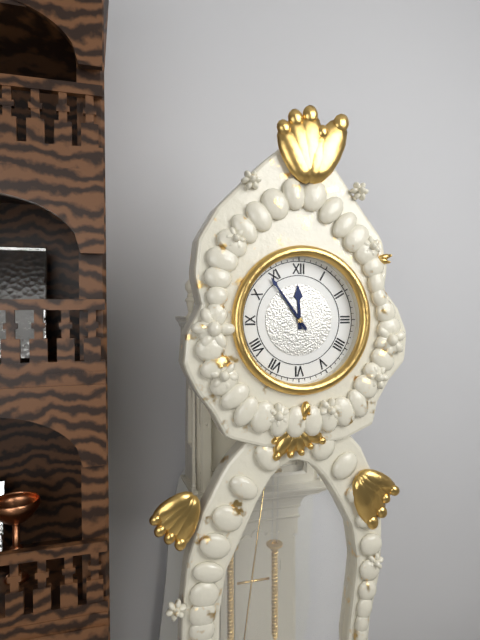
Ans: 11:54
